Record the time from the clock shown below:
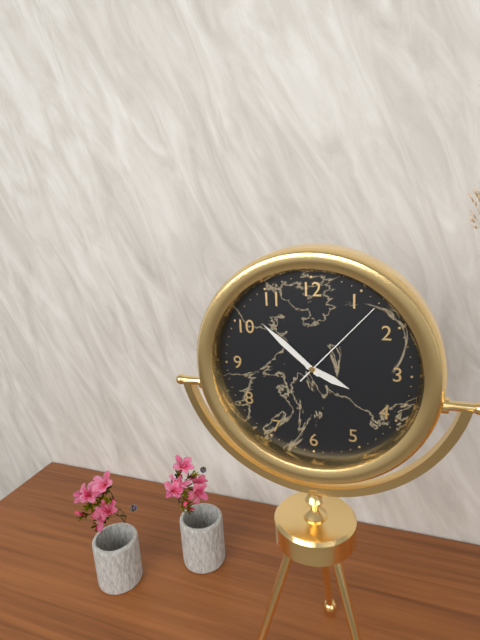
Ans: 3:52:07
